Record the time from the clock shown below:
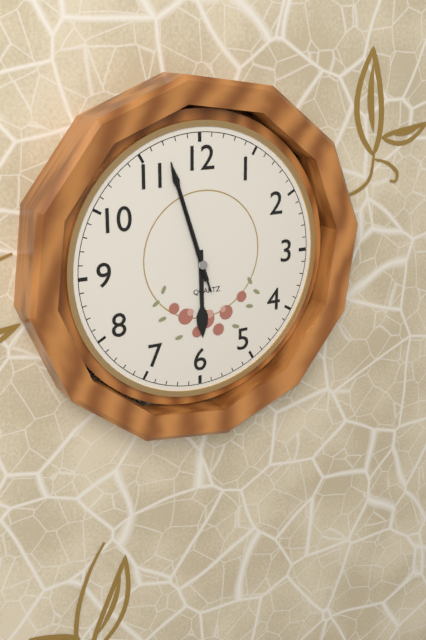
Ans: 5:57:57
